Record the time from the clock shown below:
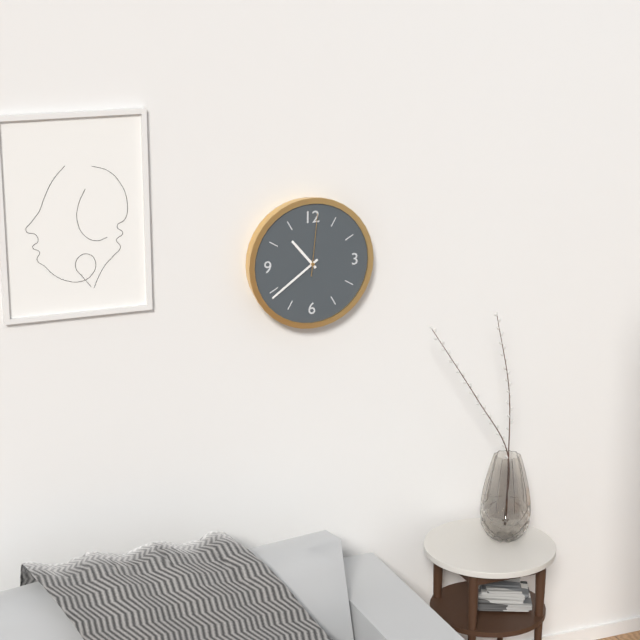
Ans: 10:39:01
